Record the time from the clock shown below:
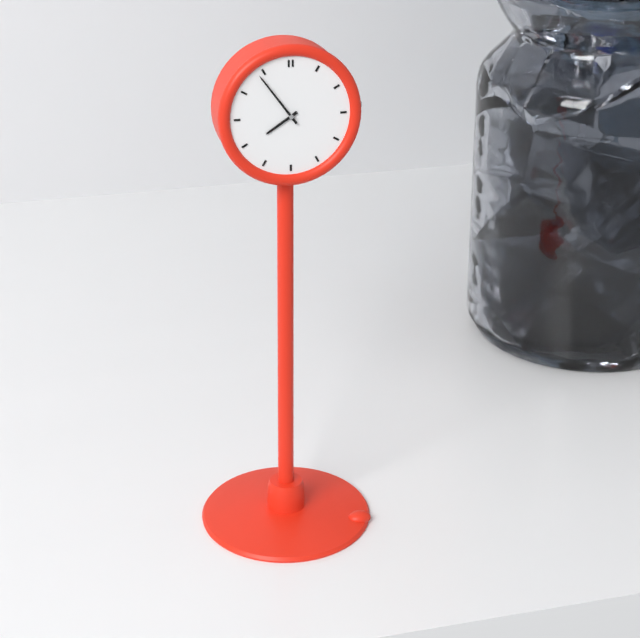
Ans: 7:54
